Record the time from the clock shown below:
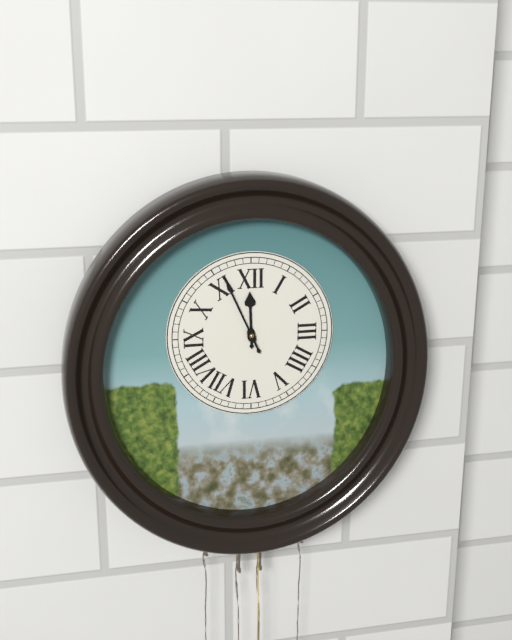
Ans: 11:56
